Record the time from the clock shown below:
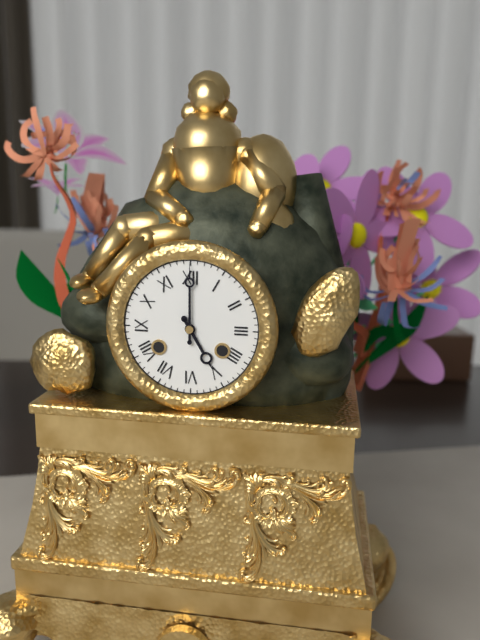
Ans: 5:00
